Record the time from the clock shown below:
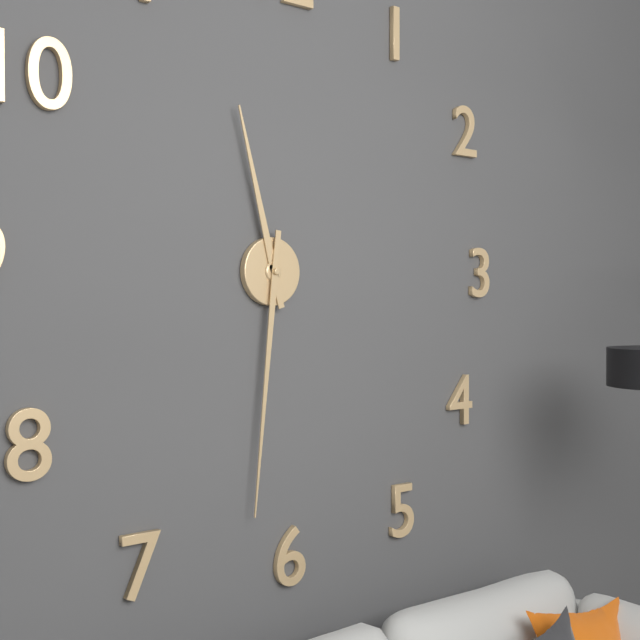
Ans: 11:31
